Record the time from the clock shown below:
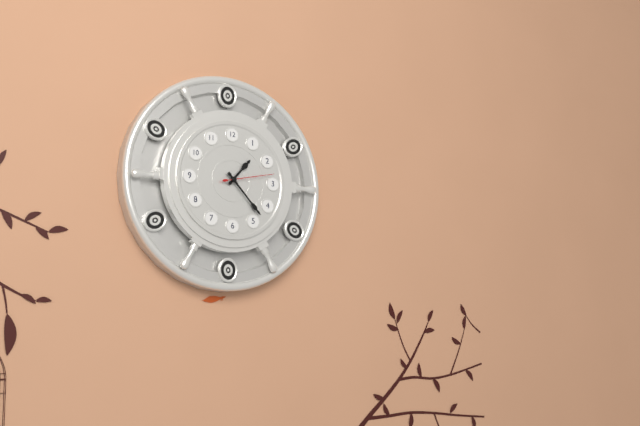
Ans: 1:23:13
